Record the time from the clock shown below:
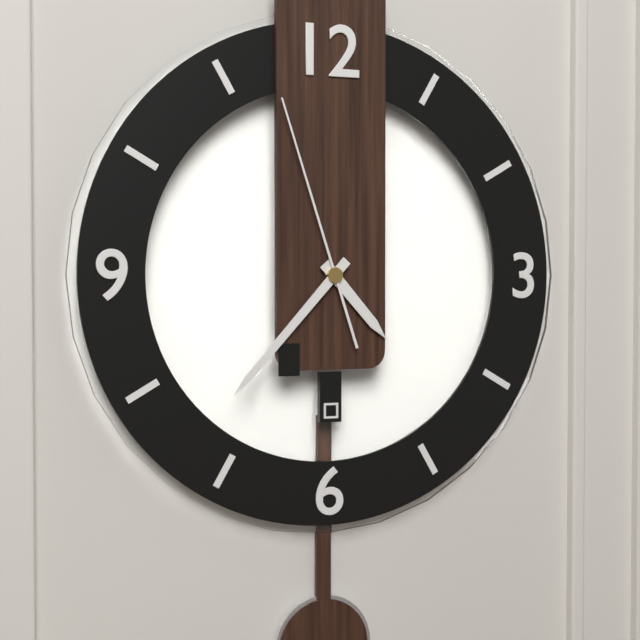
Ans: 4:37:57
